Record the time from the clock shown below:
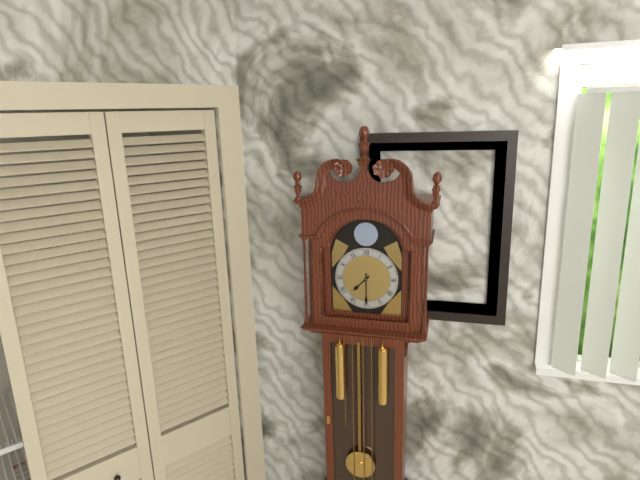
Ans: 7:30
